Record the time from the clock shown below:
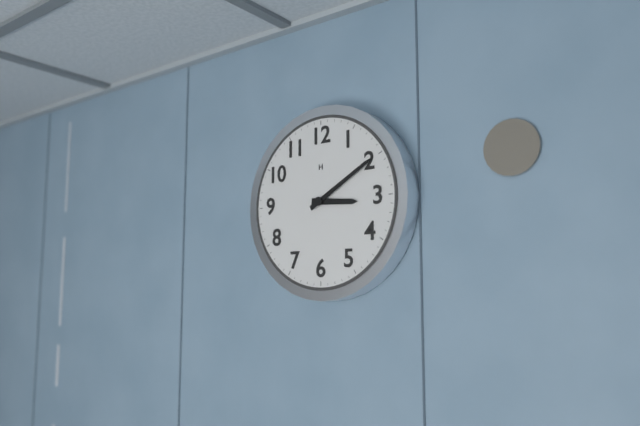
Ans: 3:10
